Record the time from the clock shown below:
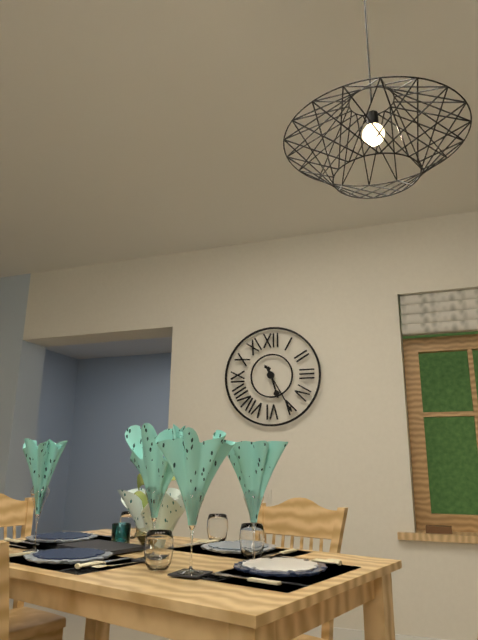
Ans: 5:25
